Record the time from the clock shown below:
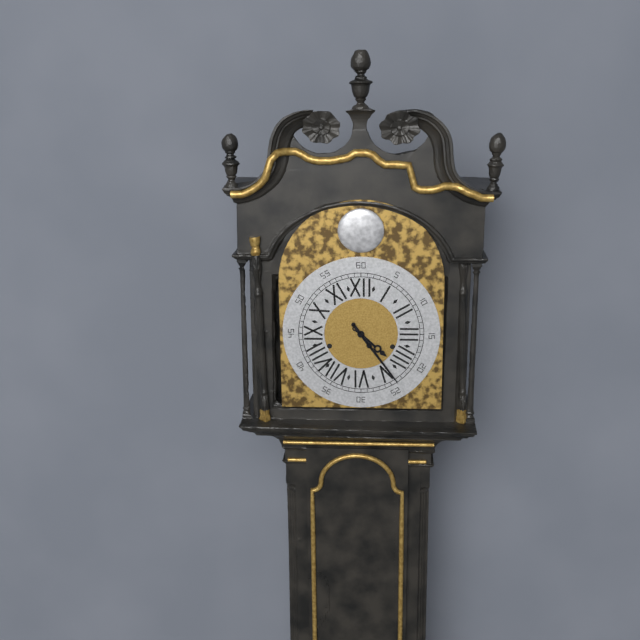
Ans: 4:24
